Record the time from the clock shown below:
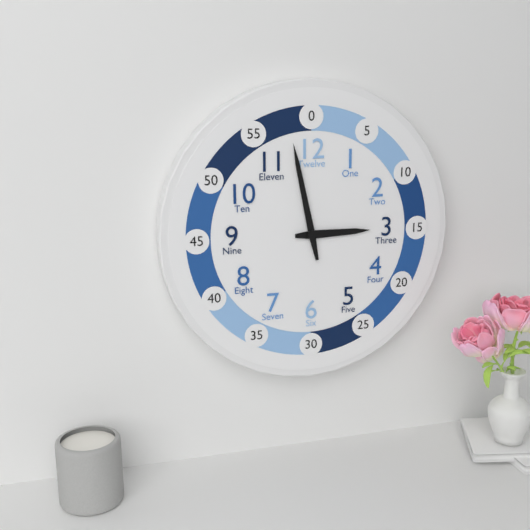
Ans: 2:58
